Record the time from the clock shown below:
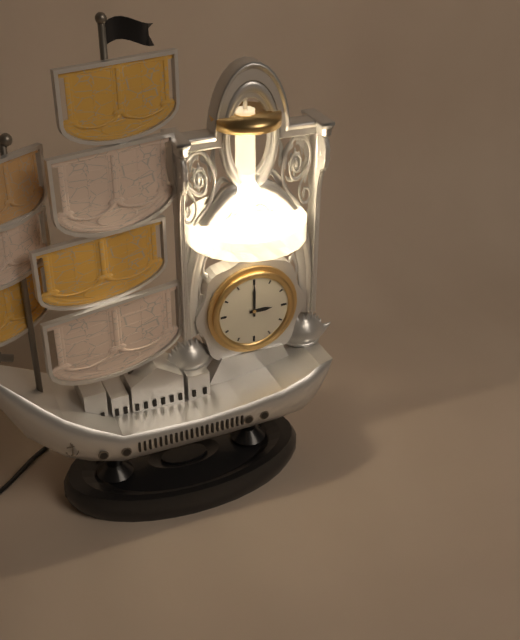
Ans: 3:00
